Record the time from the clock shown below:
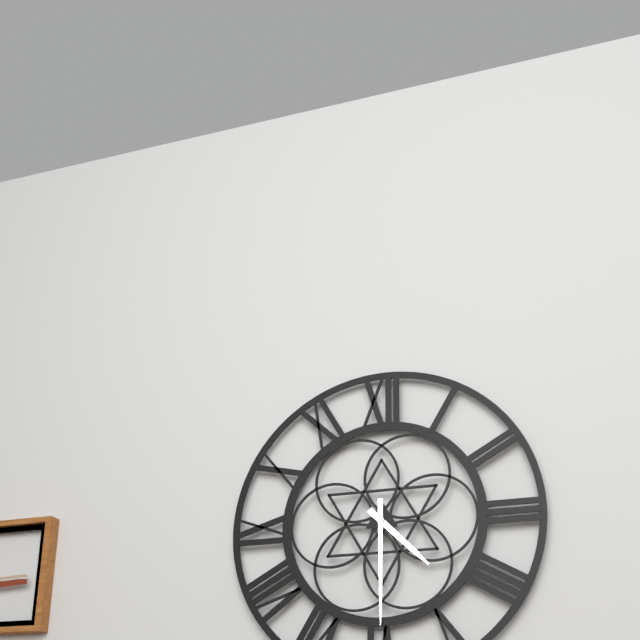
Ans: 4:30
